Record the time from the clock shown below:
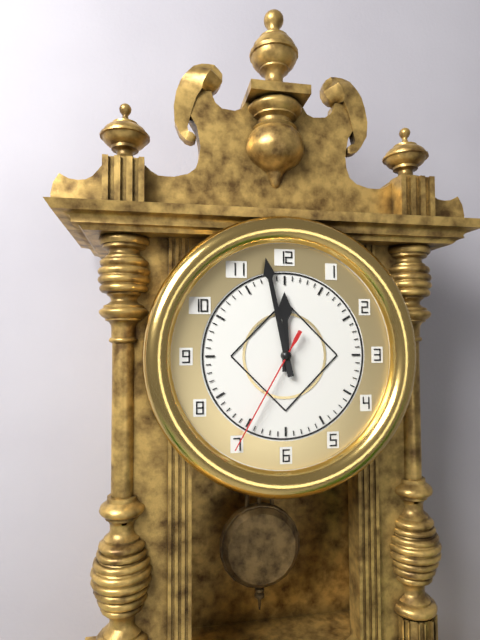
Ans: 11:58:35
